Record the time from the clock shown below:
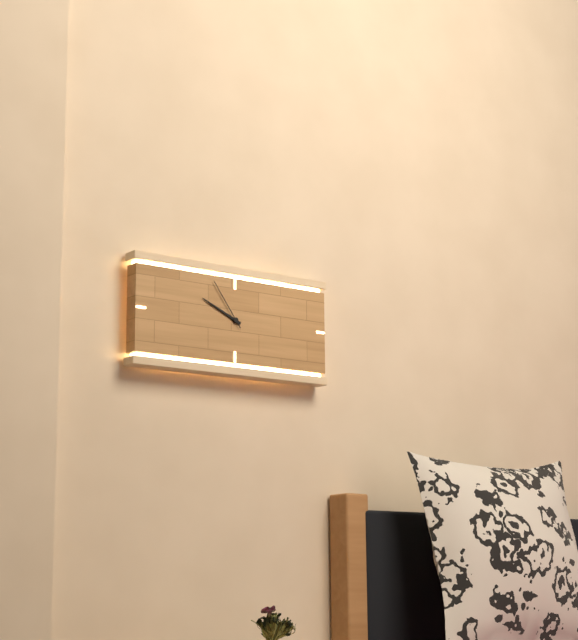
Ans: 9:49:54
